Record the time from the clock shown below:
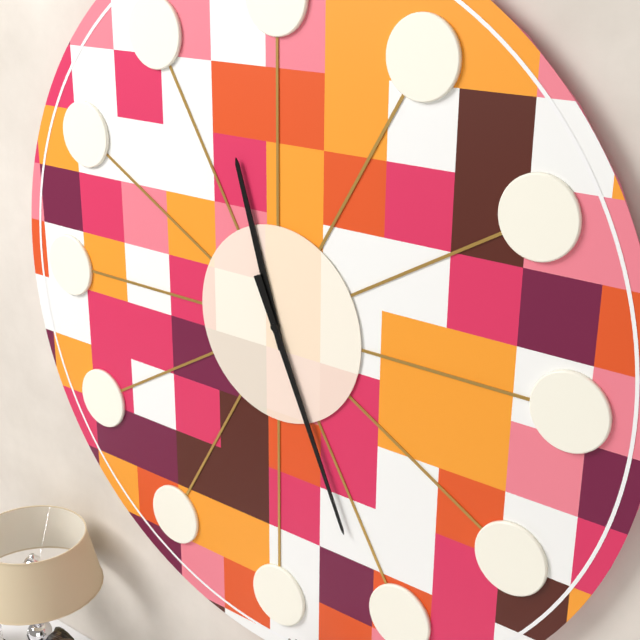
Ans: 11:26
